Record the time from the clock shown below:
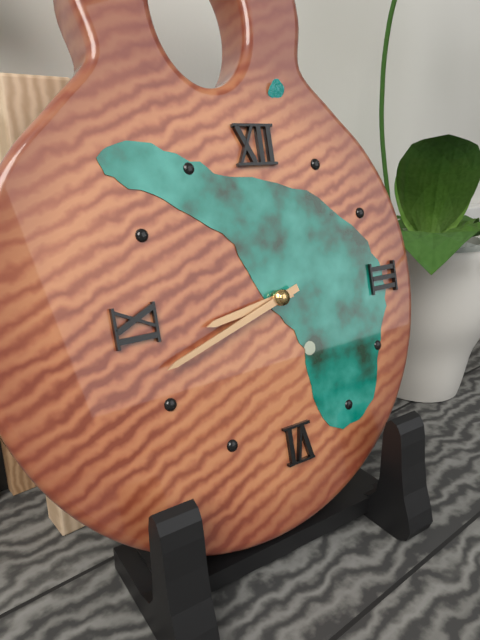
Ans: 8:42
